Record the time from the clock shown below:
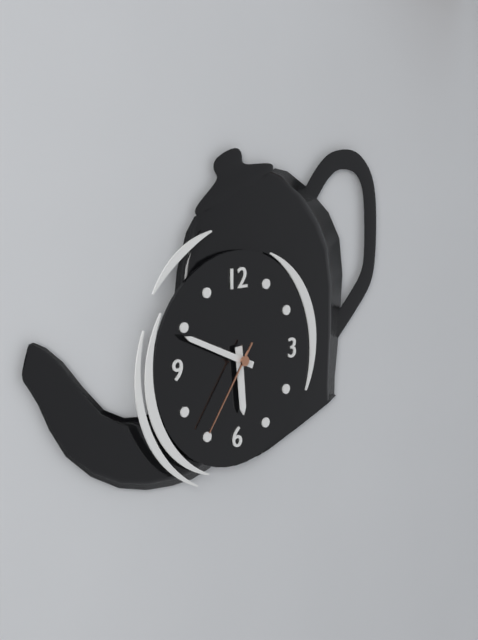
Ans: 5:49:36
